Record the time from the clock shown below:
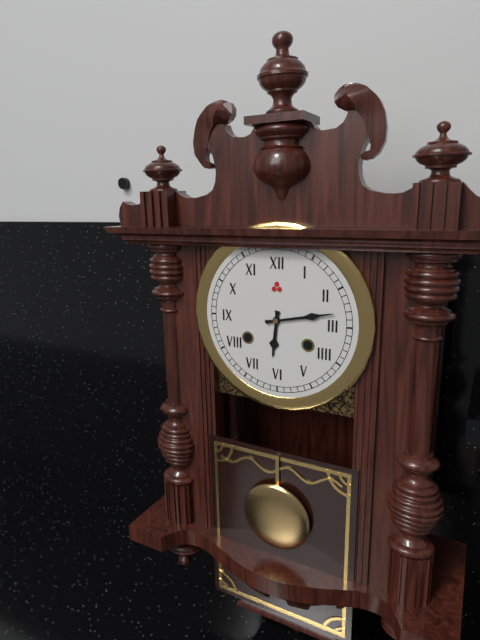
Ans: 6:13
